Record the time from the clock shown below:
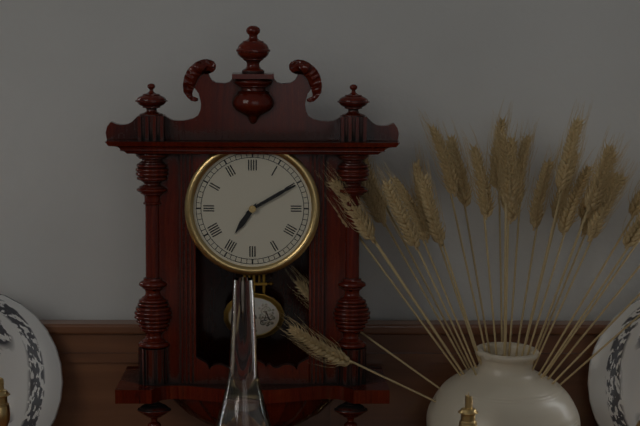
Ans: 7:10
